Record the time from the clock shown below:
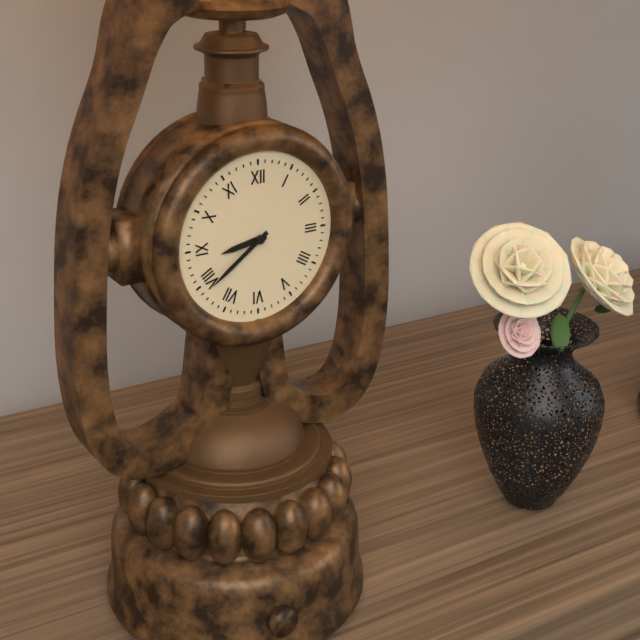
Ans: 8:39
